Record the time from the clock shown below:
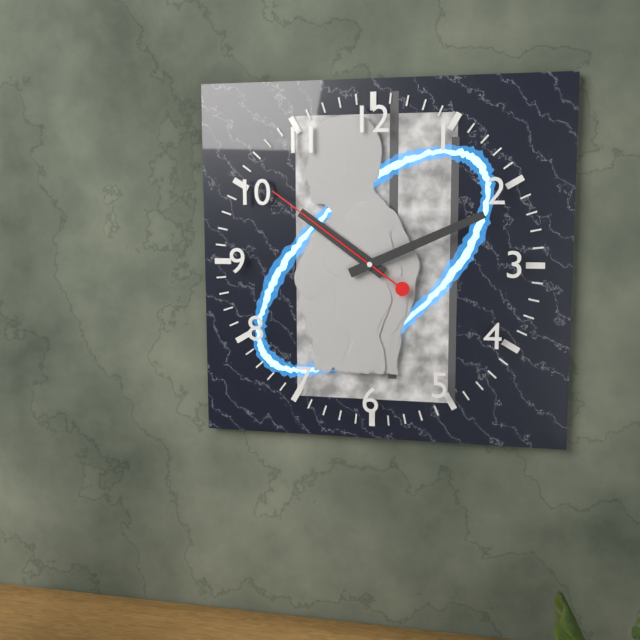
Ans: 10:11:51
